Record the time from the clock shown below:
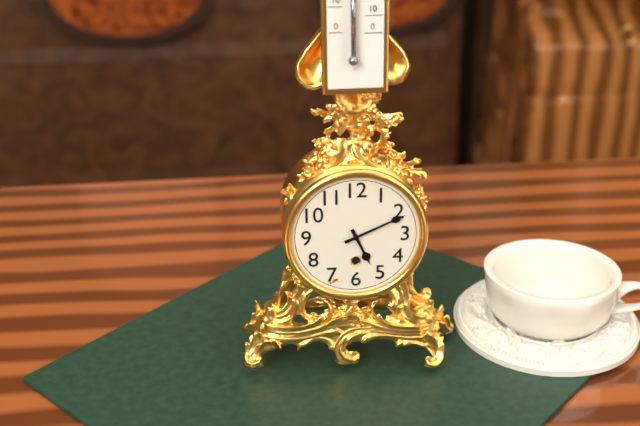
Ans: 5:11
